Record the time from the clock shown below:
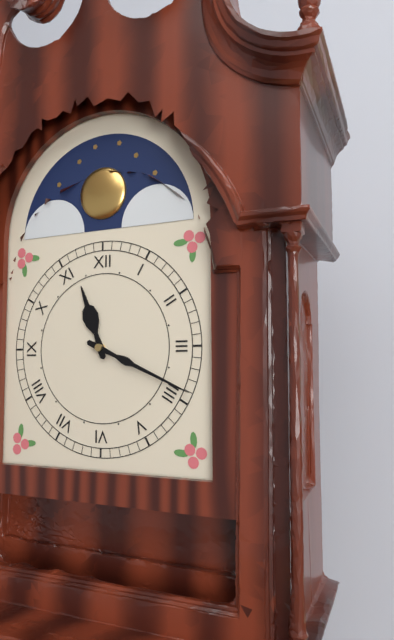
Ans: 11:19
